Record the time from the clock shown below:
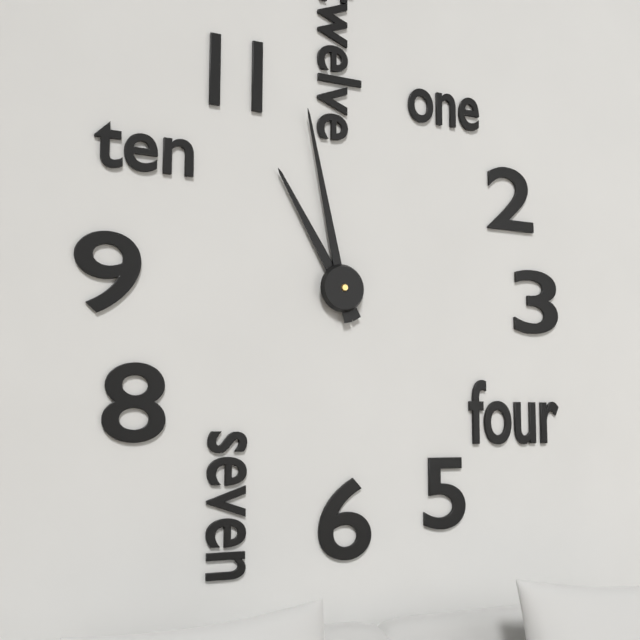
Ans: 10:58
